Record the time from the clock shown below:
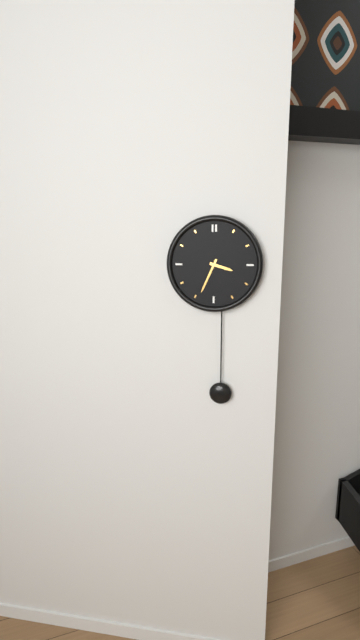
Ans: 3:34
